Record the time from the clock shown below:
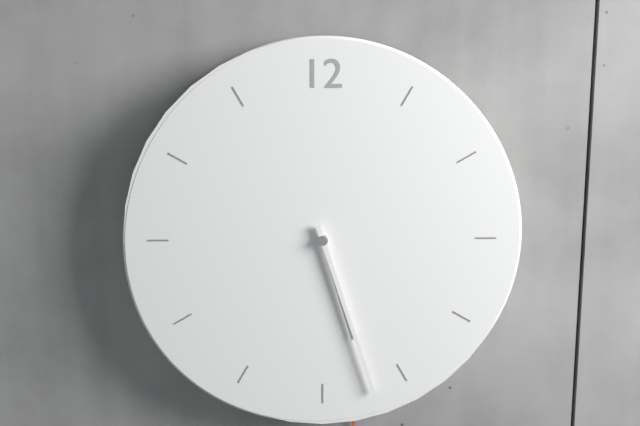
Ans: 5:27
